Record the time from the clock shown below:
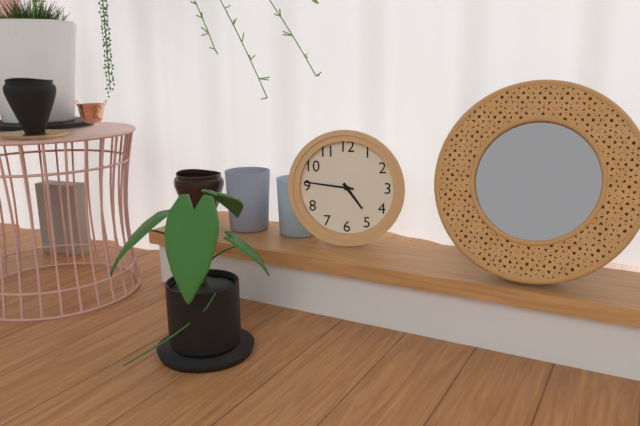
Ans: 4:46
